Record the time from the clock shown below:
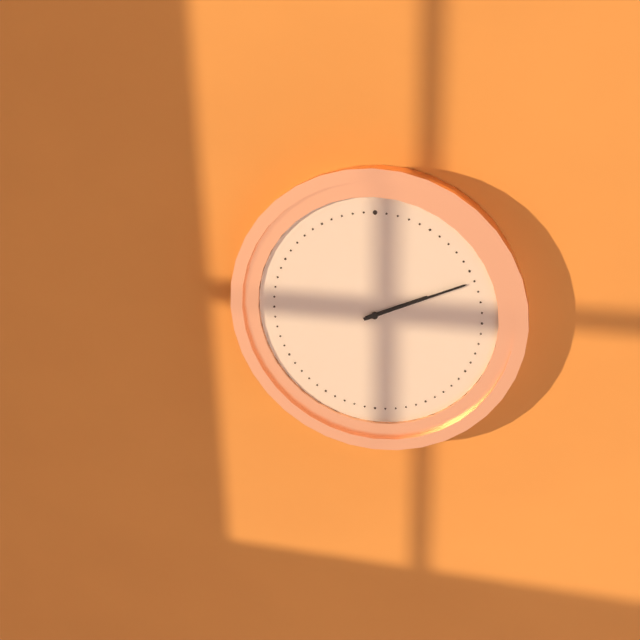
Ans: 2:11
